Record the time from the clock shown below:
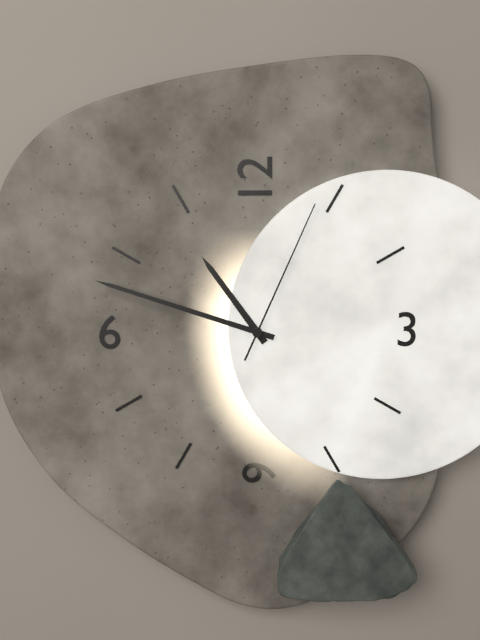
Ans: 10:48:04
